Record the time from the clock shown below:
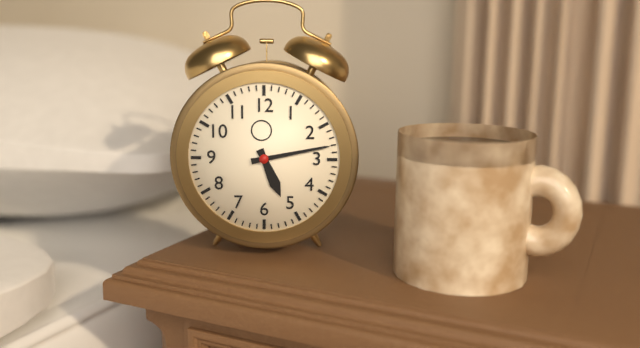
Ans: 5:13
